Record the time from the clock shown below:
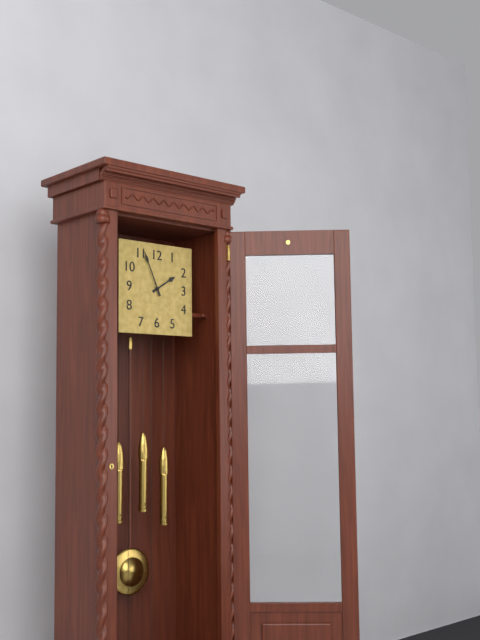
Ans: 1:56
